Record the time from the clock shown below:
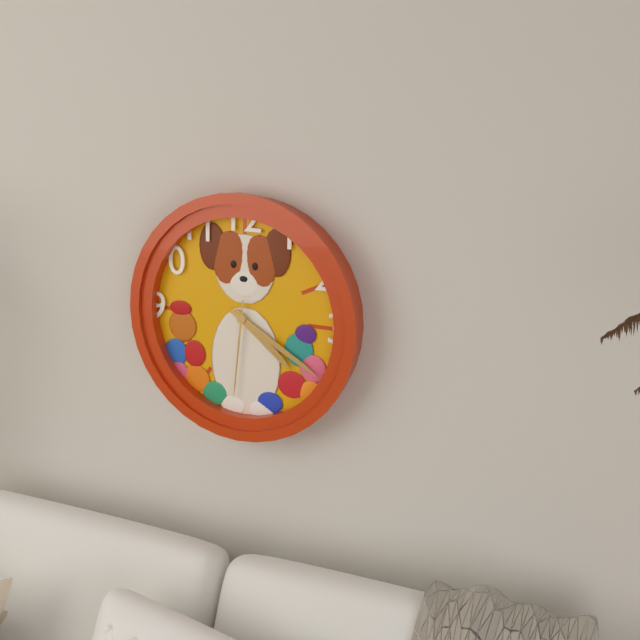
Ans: 4:20:31
